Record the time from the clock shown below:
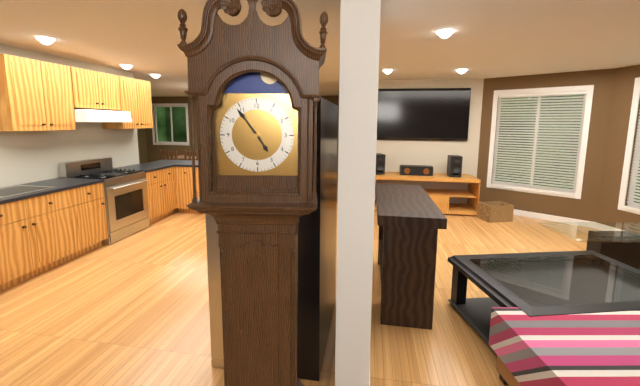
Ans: 4:54
